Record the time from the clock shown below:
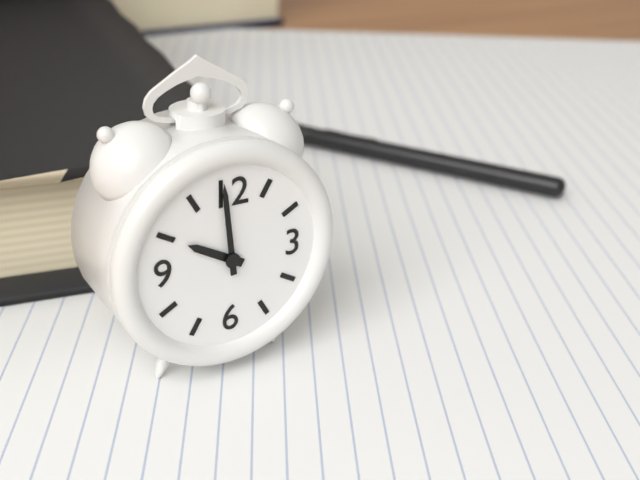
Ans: 9:59
